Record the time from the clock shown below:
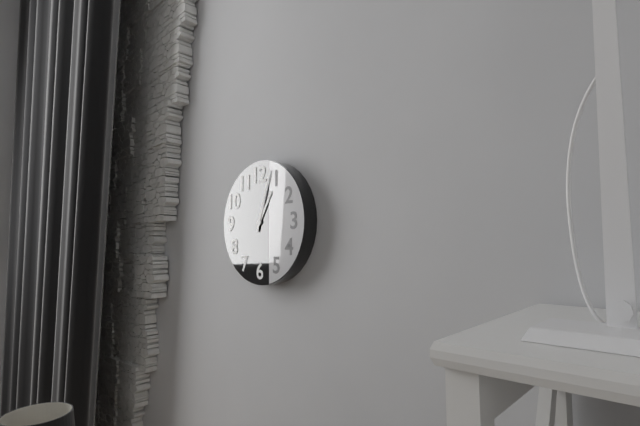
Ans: 1:03
